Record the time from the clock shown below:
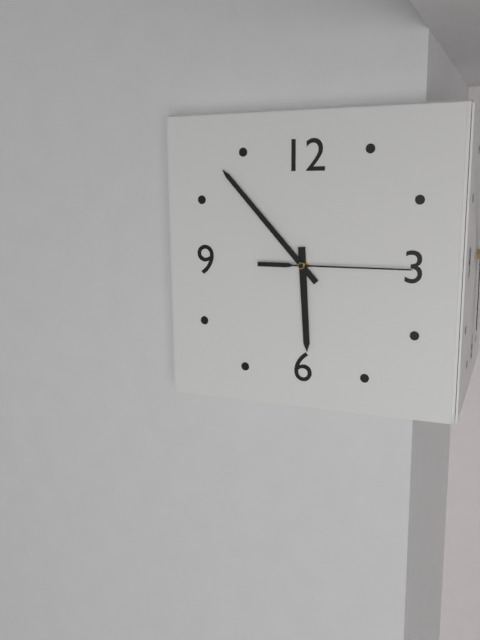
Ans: 5:53:15
